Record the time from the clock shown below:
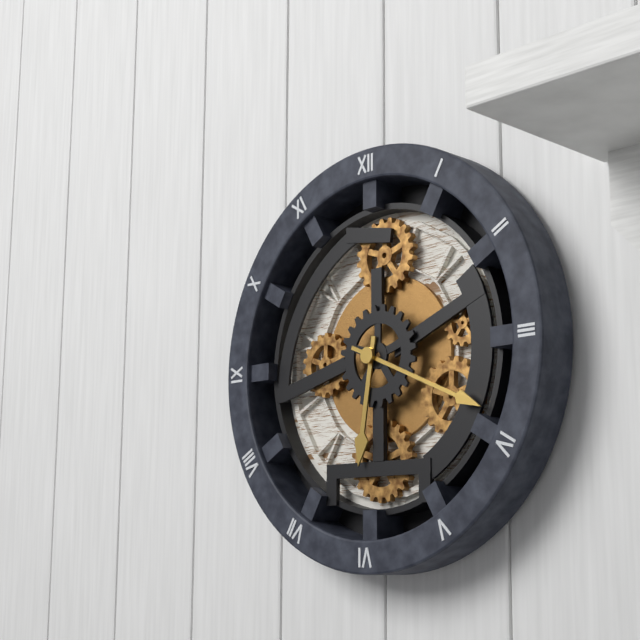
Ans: 6:19
